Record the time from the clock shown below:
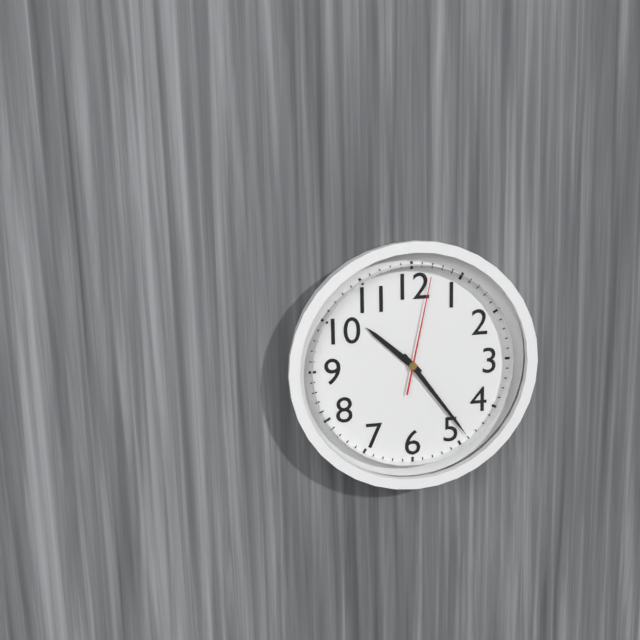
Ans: 10:24:02
